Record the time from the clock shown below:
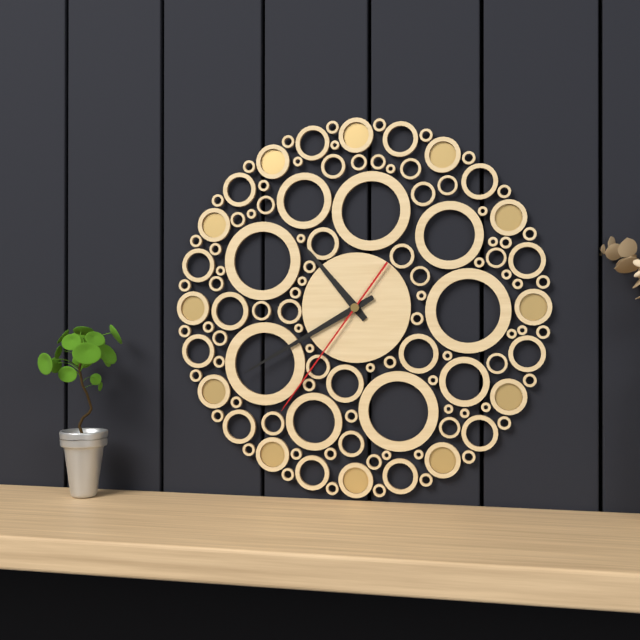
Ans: 10:40:36
